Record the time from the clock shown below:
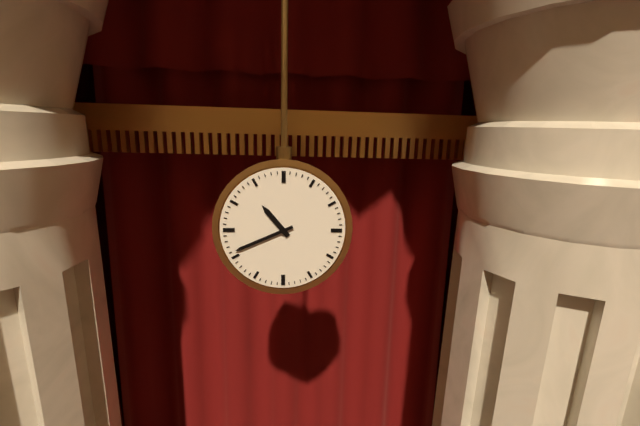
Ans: 10:41
